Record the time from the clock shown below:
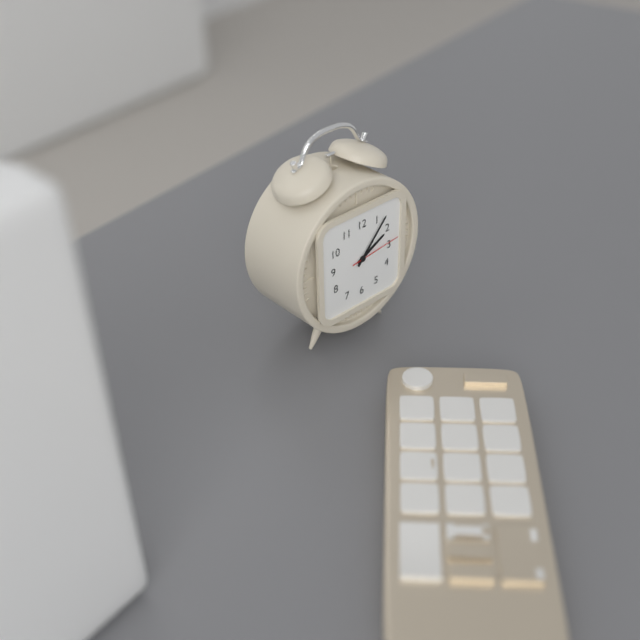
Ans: 2:07:14
